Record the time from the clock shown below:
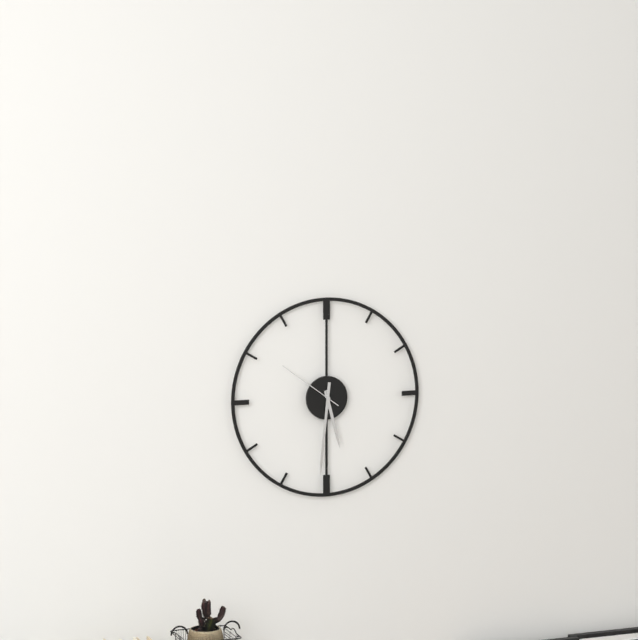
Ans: 5:31:51
